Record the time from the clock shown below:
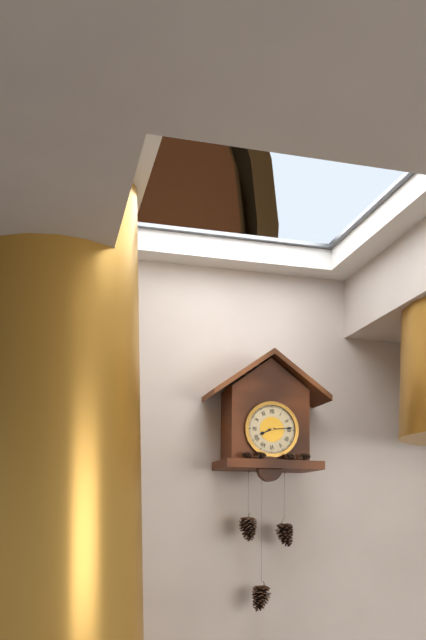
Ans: 8:14
